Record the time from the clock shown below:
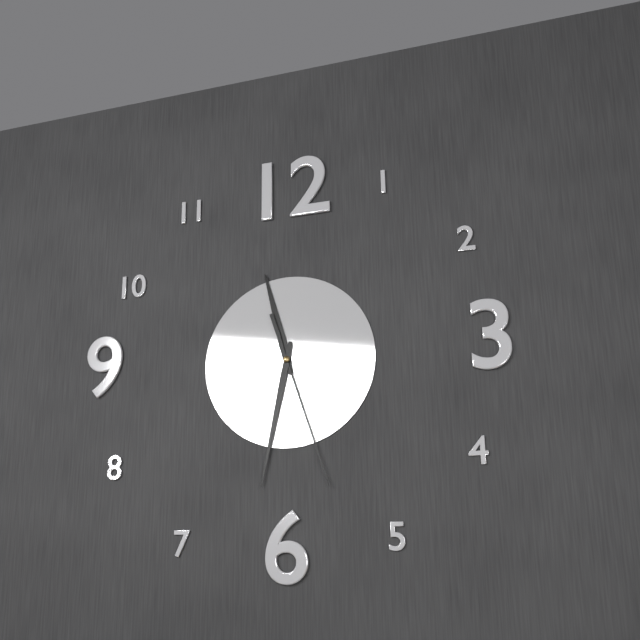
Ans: 11:32:27
